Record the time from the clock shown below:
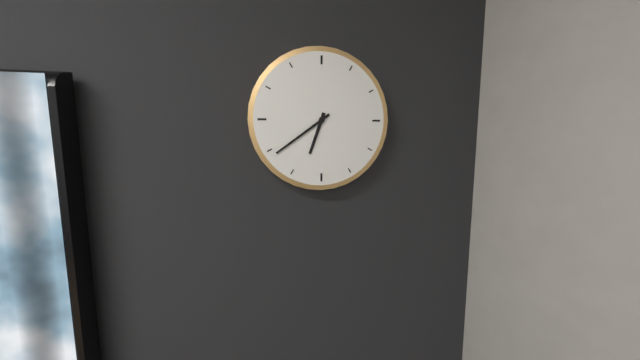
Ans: 6:39
